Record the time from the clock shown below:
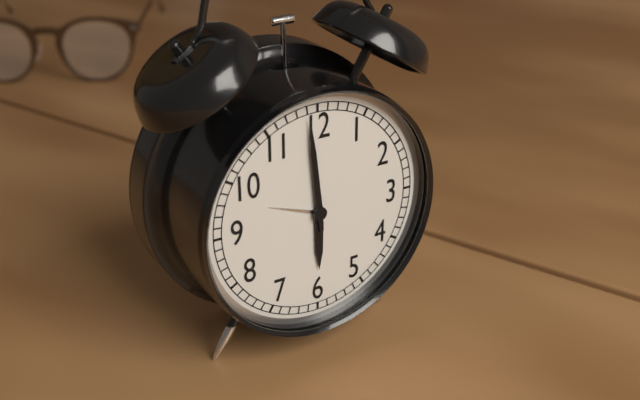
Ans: 5:59
